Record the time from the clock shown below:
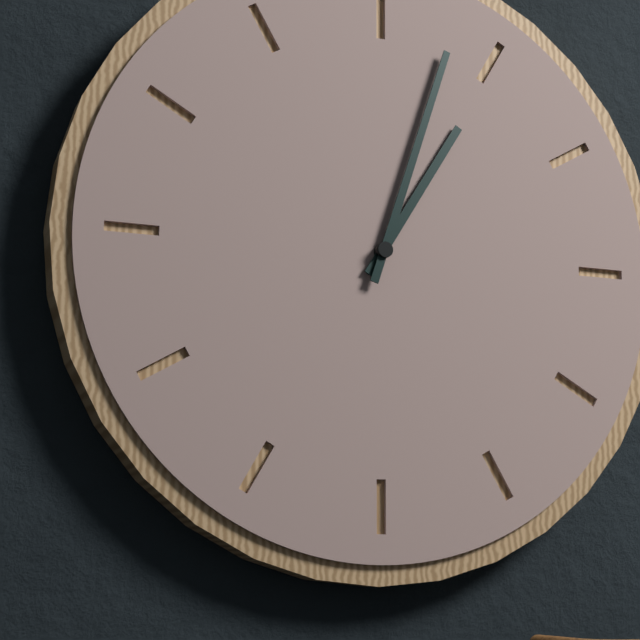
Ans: 1:03
